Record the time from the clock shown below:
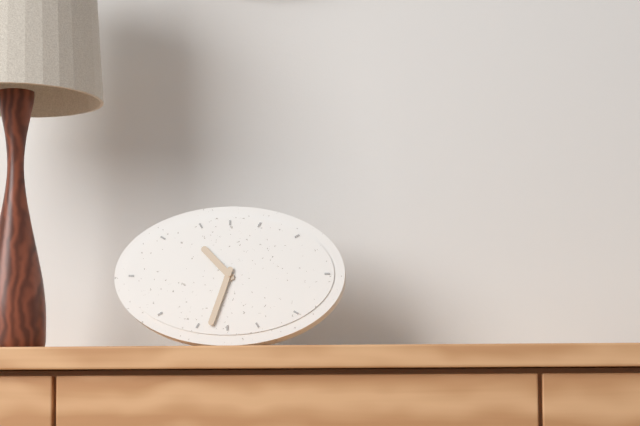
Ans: 10:33
